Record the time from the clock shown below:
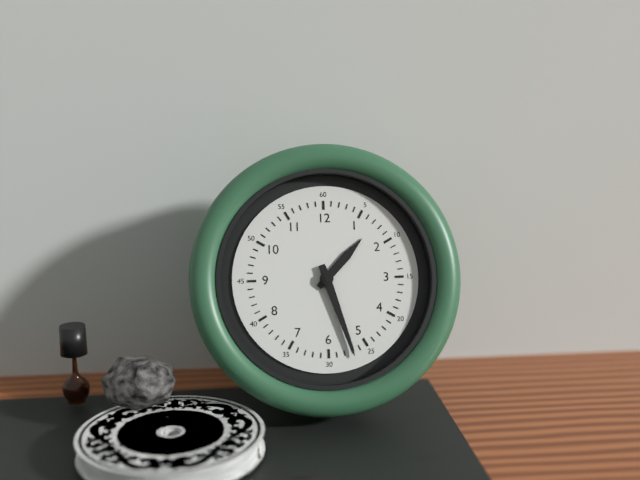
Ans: 1:27
